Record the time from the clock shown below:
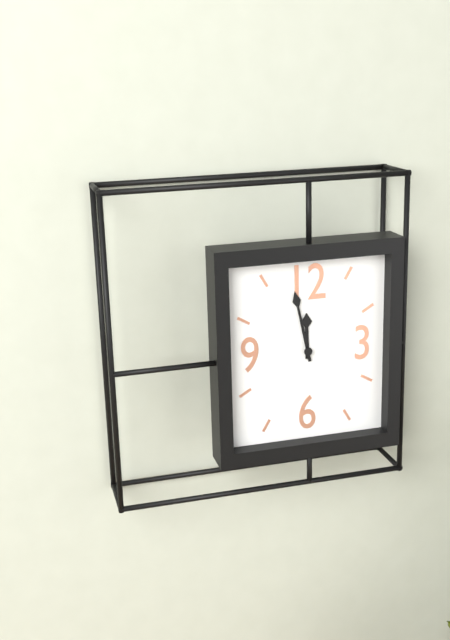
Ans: 11:58
